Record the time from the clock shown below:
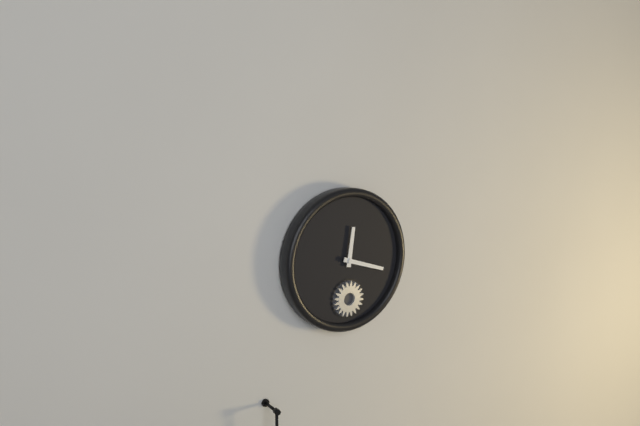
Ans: 12:18
